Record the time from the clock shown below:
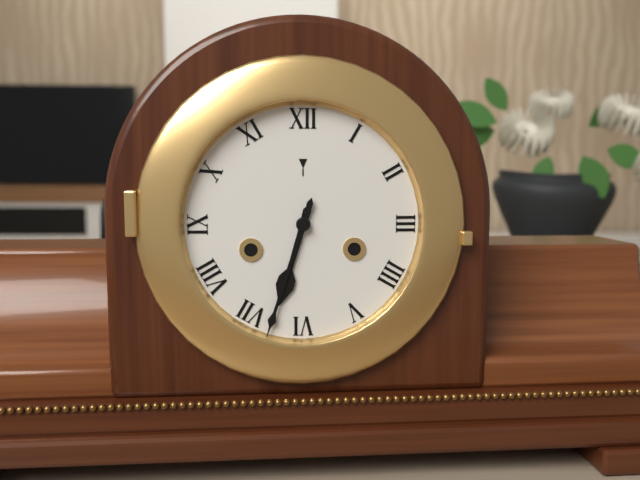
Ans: 6:33
